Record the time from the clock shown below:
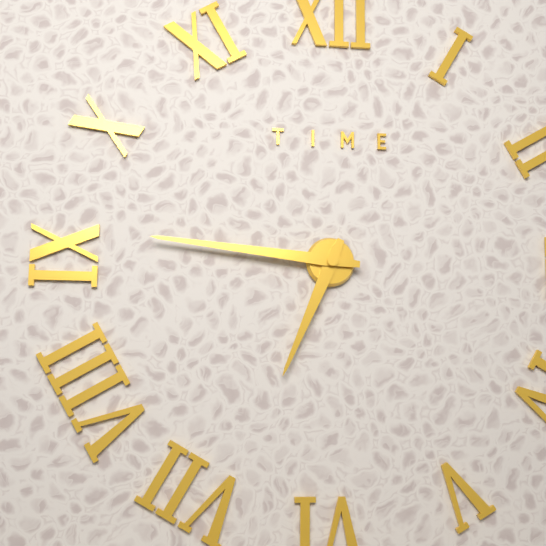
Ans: 6:46
